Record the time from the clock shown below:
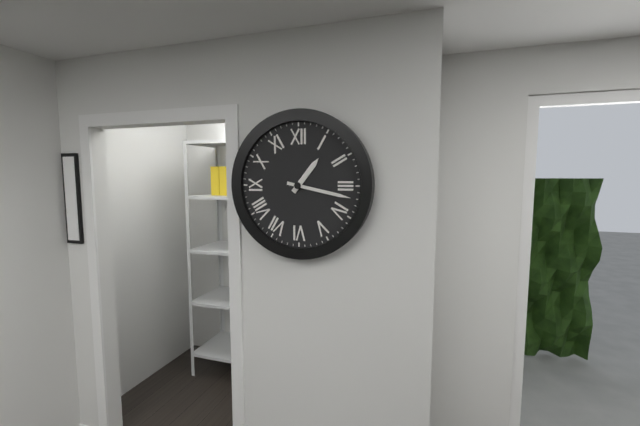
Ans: 1:17
